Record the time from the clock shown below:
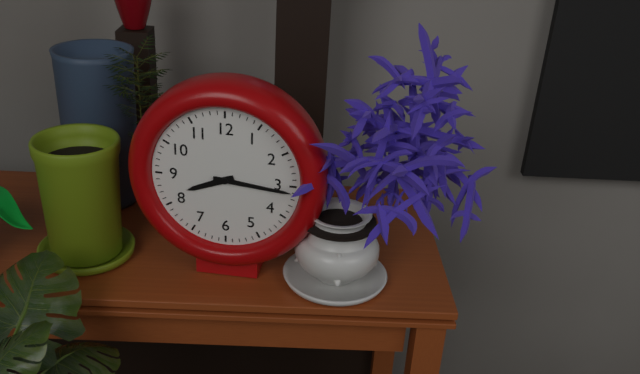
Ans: 8:16
